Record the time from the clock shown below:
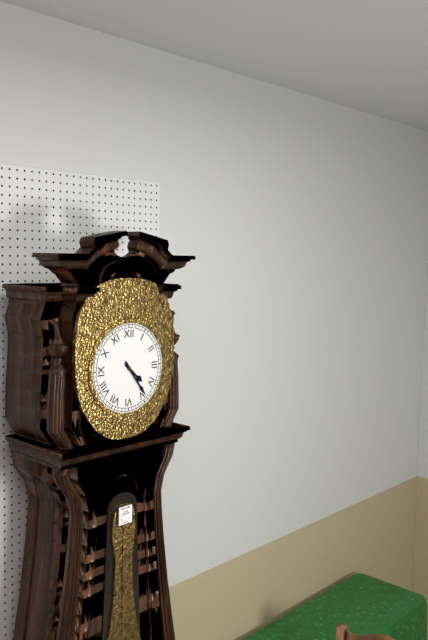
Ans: 4:24
